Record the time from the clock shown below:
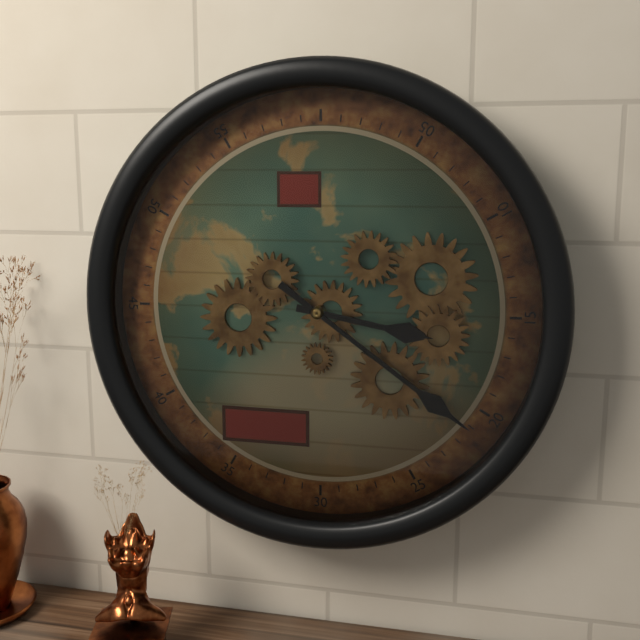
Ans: 3:21
